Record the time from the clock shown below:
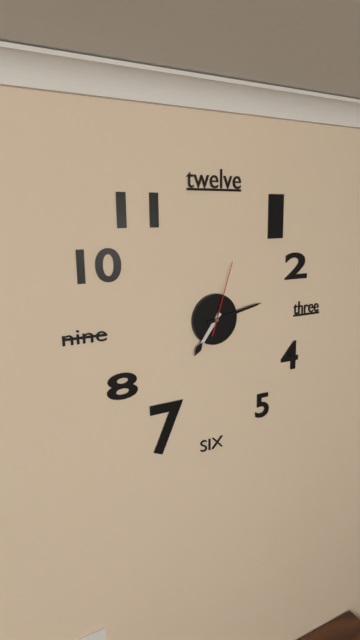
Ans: 7:13:03
